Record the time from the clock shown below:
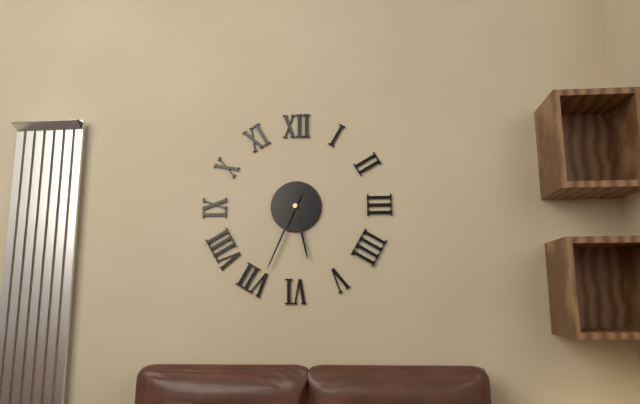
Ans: 5:34
